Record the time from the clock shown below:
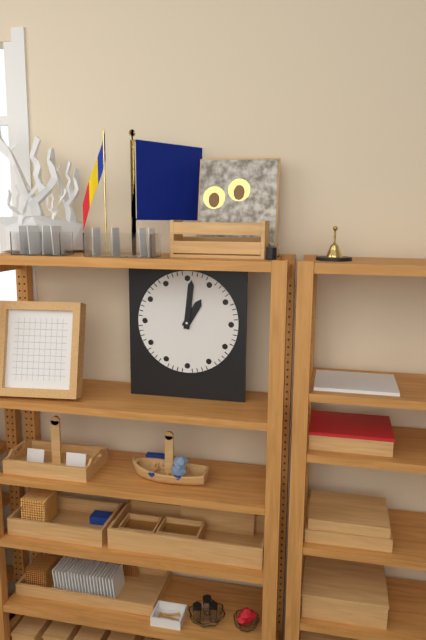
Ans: 1:01
